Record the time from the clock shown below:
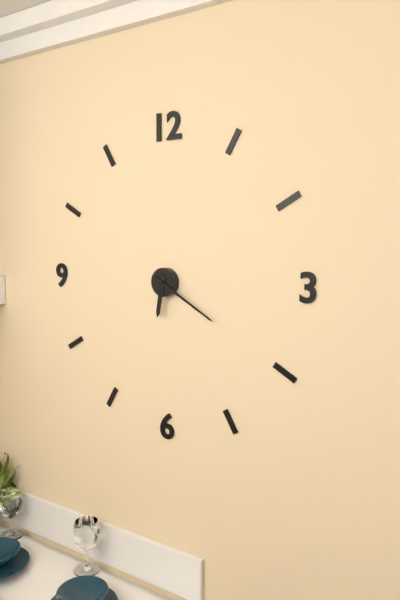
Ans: 6:20
